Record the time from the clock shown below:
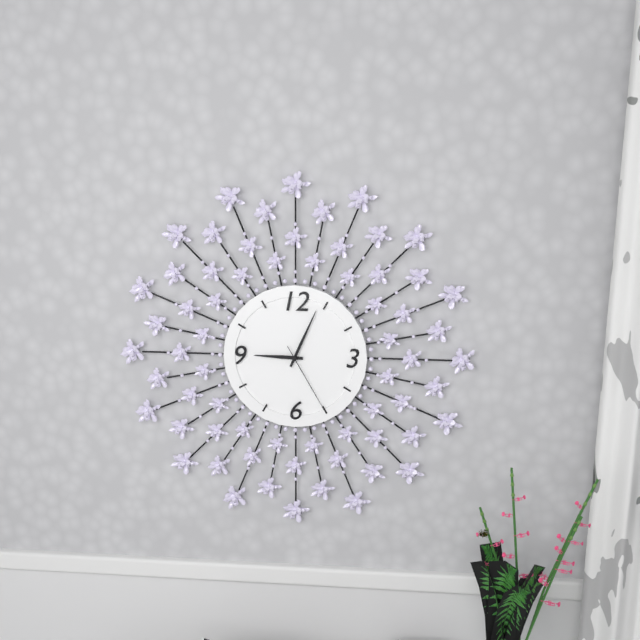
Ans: 9:04:25
